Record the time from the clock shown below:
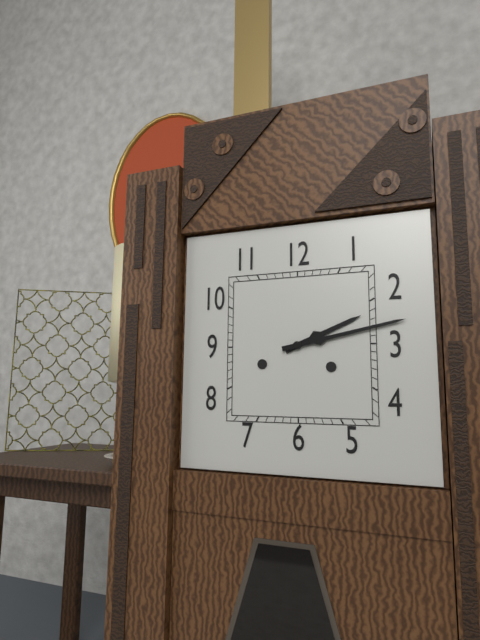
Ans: 2:13
